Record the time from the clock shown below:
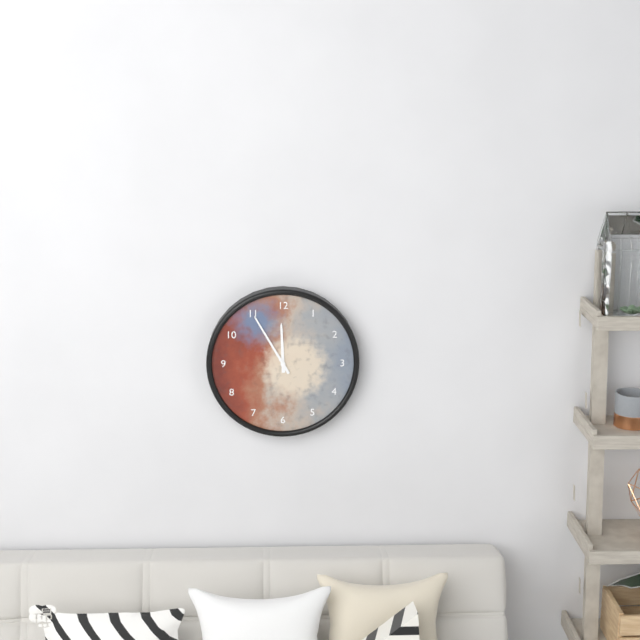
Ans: 11:55
